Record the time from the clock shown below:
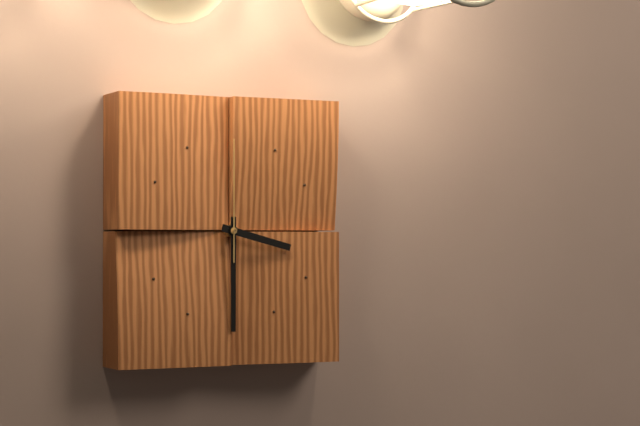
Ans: 3:30:00
